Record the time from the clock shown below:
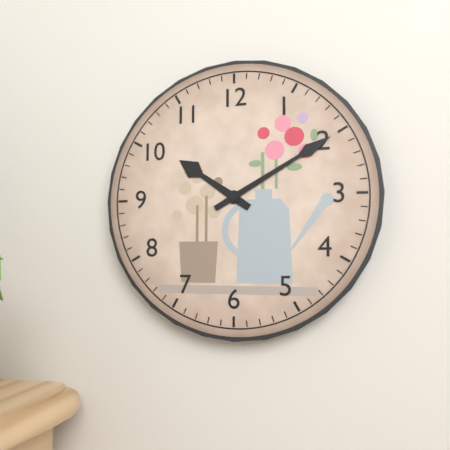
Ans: 10:10
